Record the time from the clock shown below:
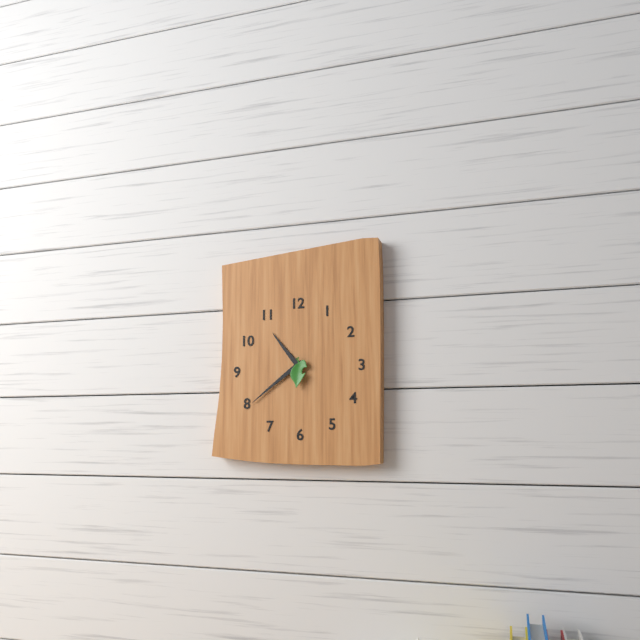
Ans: 10:39
